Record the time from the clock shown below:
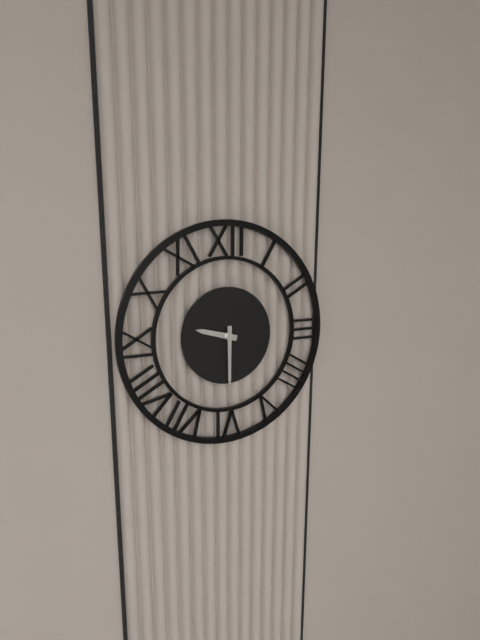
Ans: 9:30
